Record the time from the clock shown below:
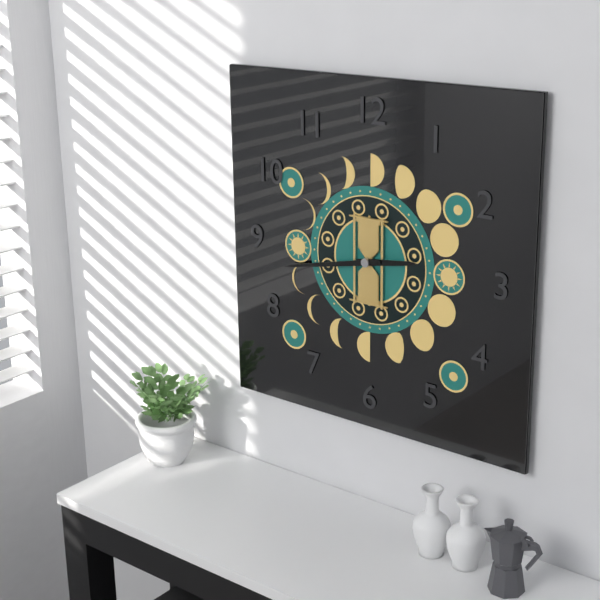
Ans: 2:43
